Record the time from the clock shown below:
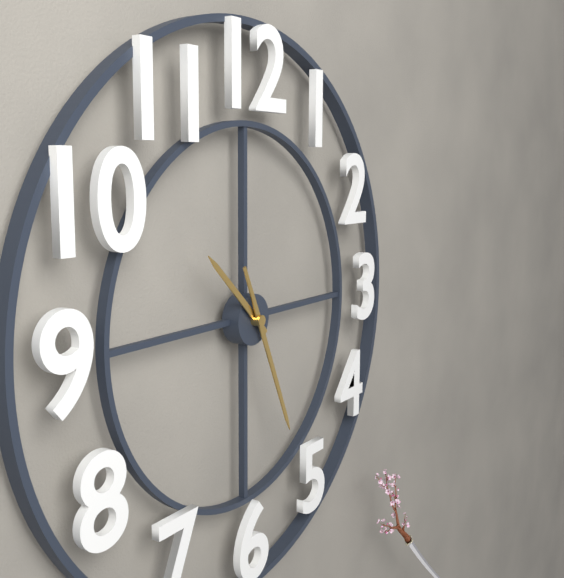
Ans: 10:26
